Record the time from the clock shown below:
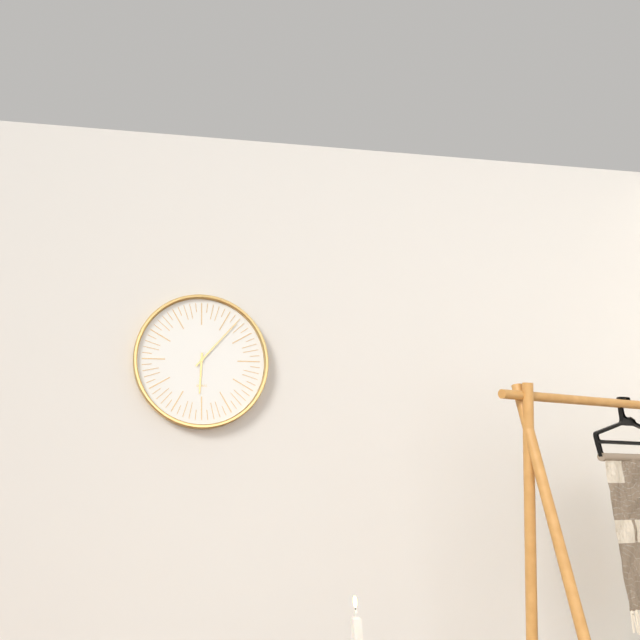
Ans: 6:07
